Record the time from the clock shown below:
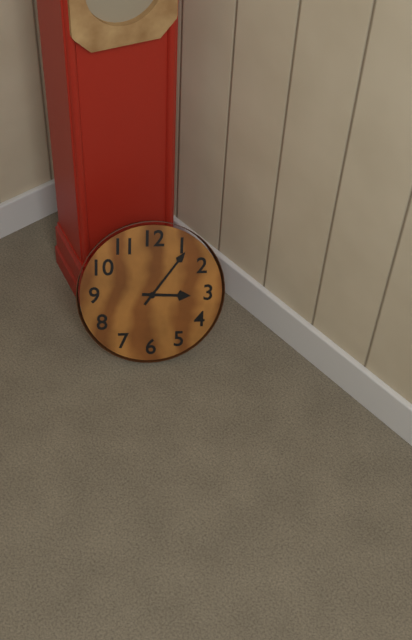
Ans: 3:06
